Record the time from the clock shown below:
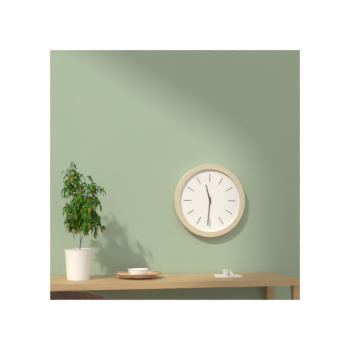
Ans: 11:31
